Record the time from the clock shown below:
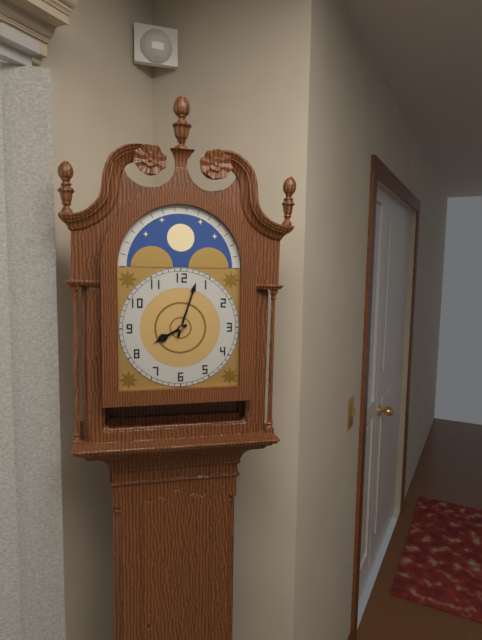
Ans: 8:03
